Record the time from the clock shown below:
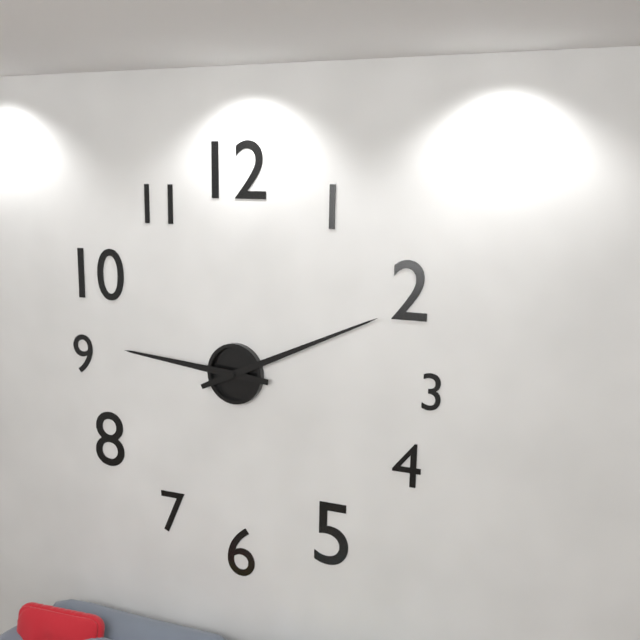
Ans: 9:11
